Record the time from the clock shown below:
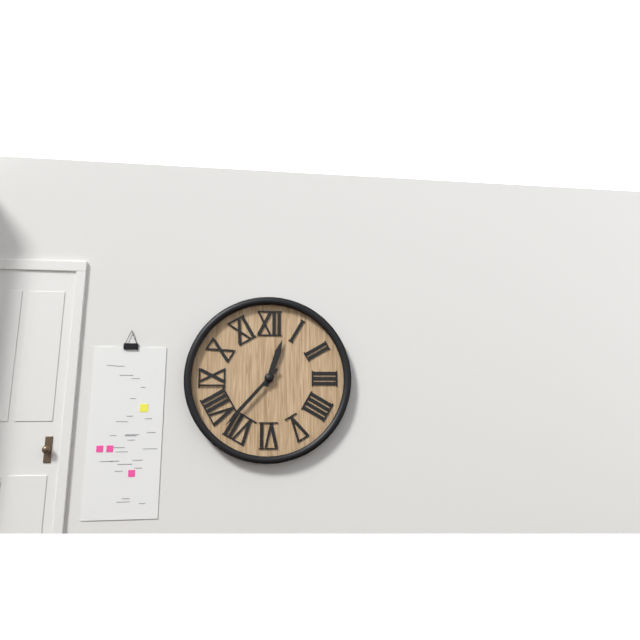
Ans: 12:37
